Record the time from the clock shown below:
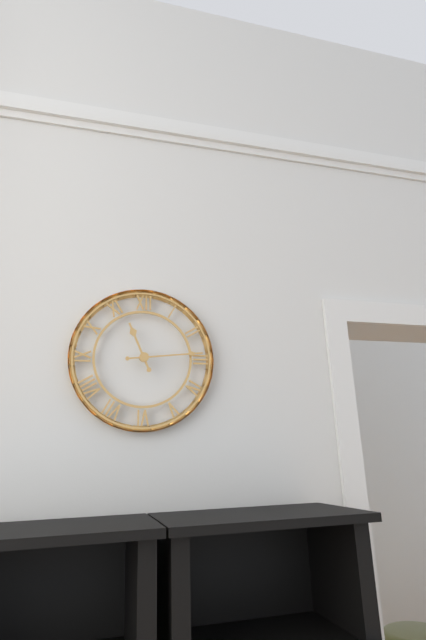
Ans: 11:14
